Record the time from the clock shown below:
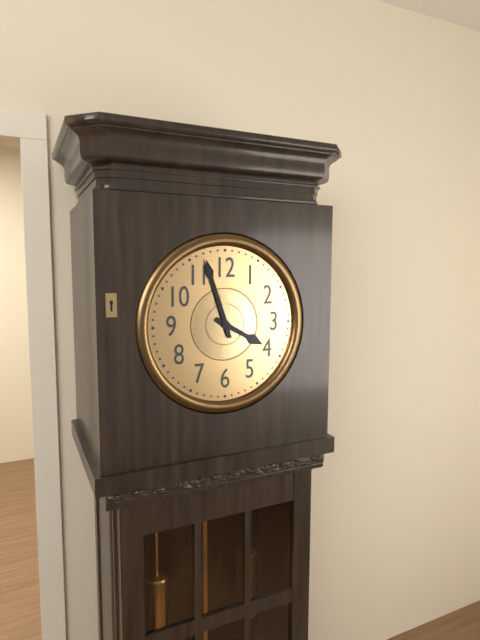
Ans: 3:57
